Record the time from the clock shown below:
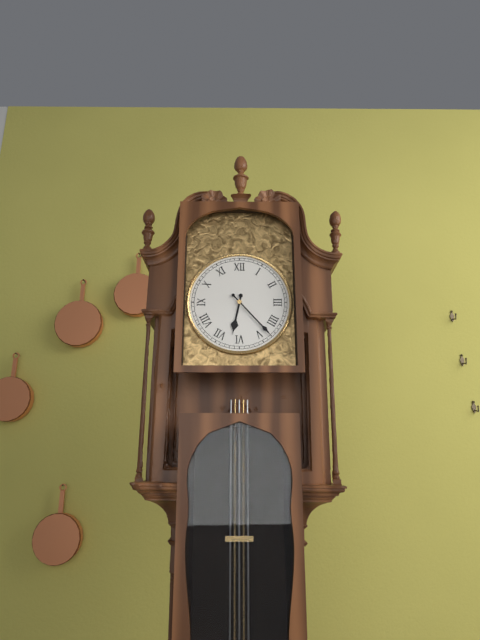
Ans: 6:23
